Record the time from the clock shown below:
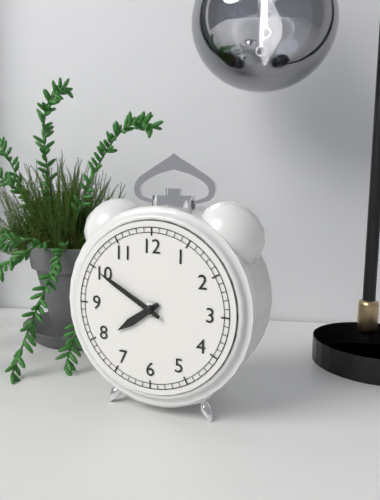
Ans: 7:50
